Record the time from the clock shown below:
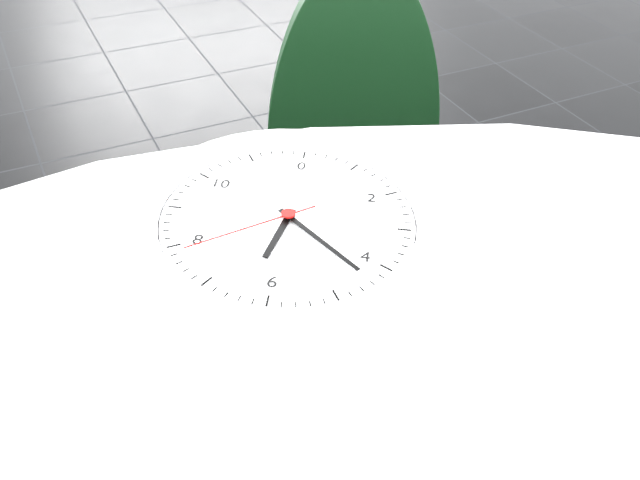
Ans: 6:22:39
